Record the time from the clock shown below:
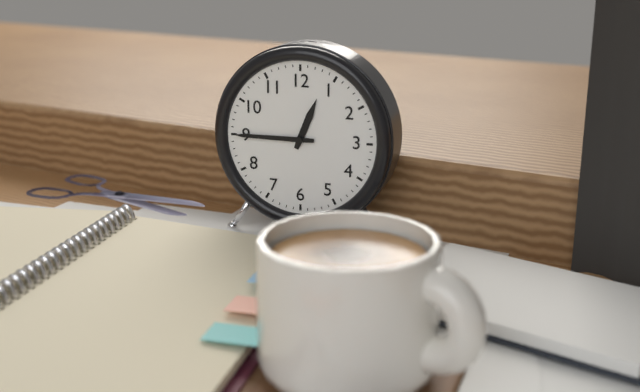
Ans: 12:45
